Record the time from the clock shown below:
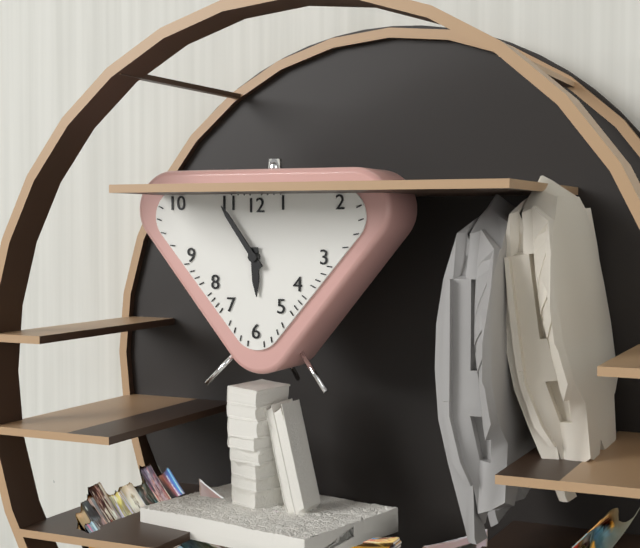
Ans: 5:54
